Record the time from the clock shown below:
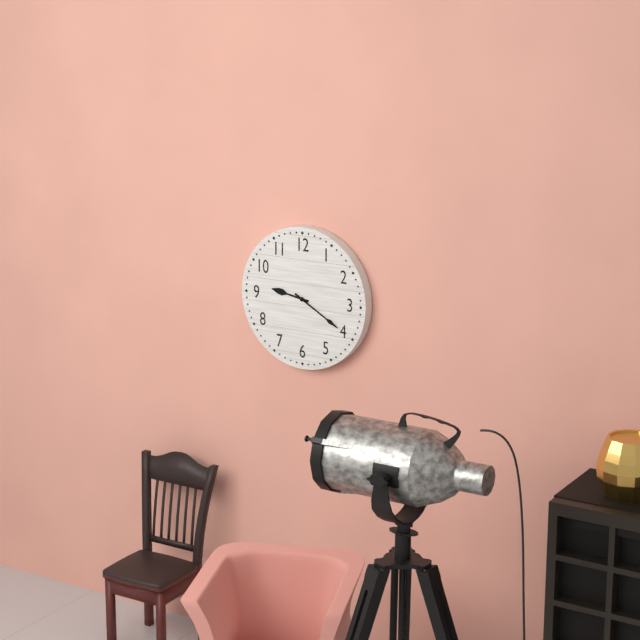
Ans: 9:20
